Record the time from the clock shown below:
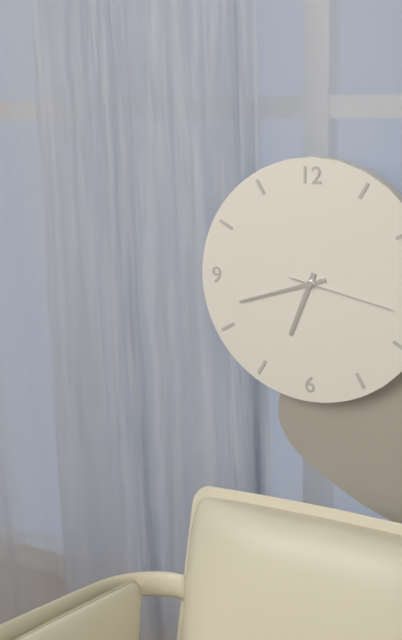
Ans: 6:42:17
